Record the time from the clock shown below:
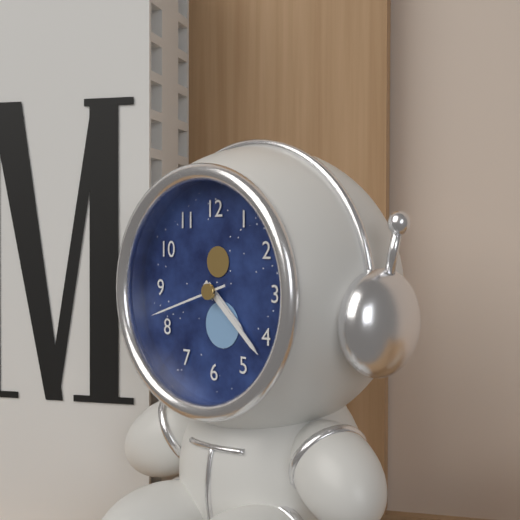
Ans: 4:22:42
